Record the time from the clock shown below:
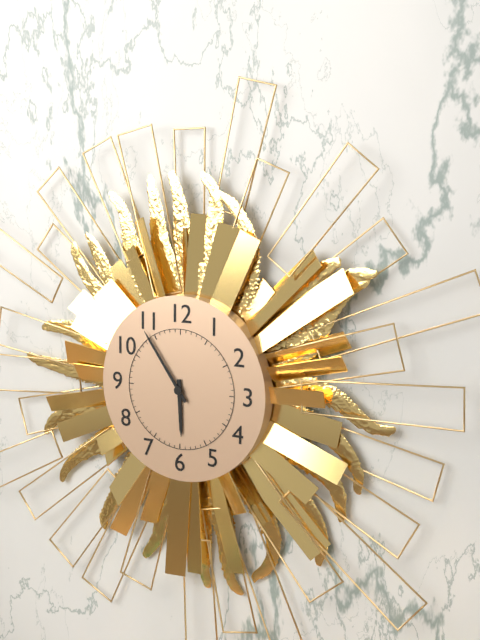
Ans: 5:54
